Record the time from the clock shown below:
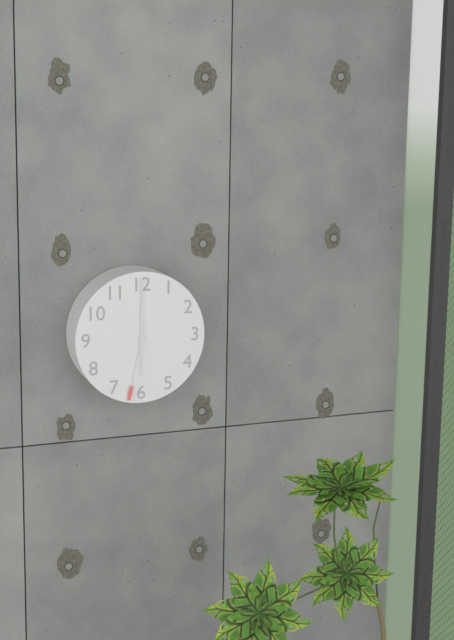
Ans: 6:00:32
